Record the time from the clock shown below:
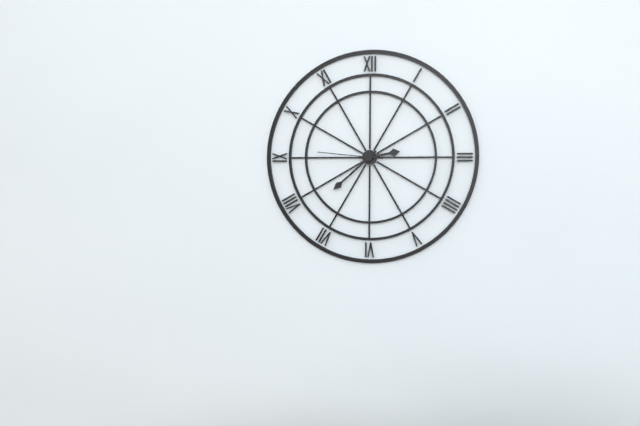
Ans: 2:38:46
